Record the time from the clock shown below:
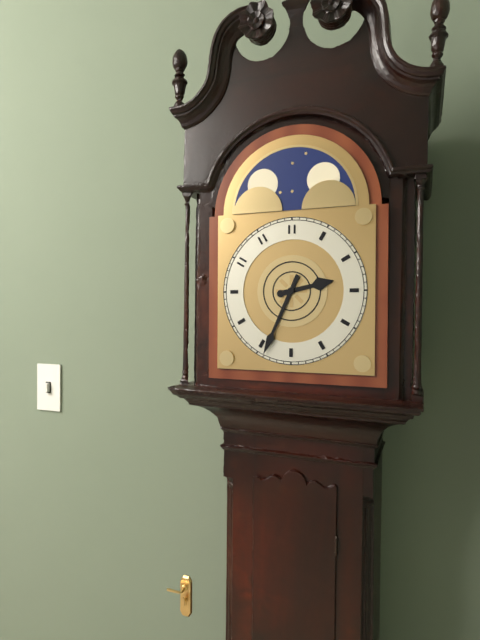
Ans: 2:34
